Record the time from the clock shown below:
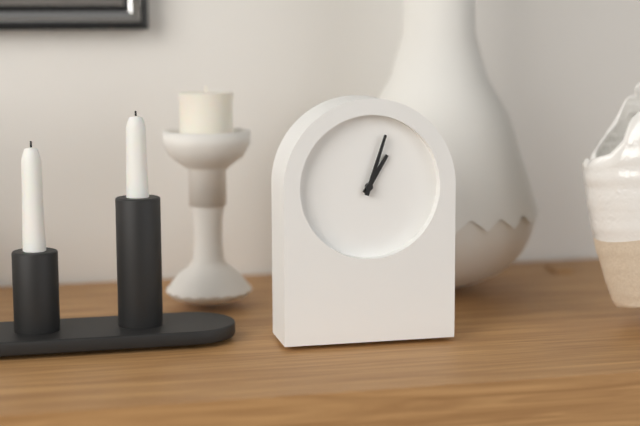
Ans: 1:03
